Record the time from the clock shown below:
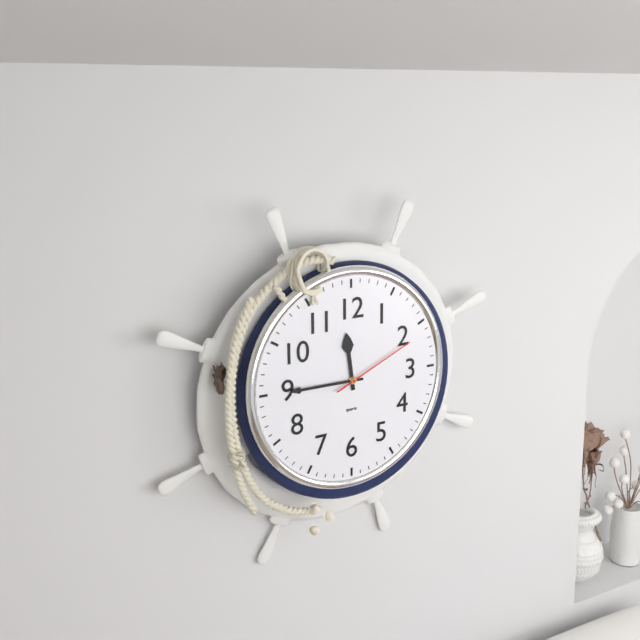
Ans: 11:45:11
